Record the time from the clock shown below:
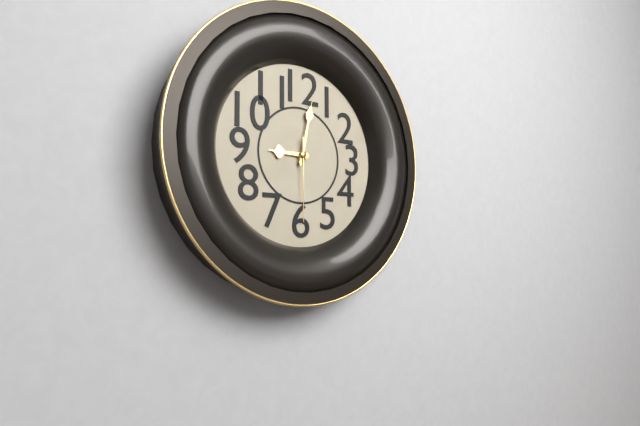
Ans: 9:02:30
